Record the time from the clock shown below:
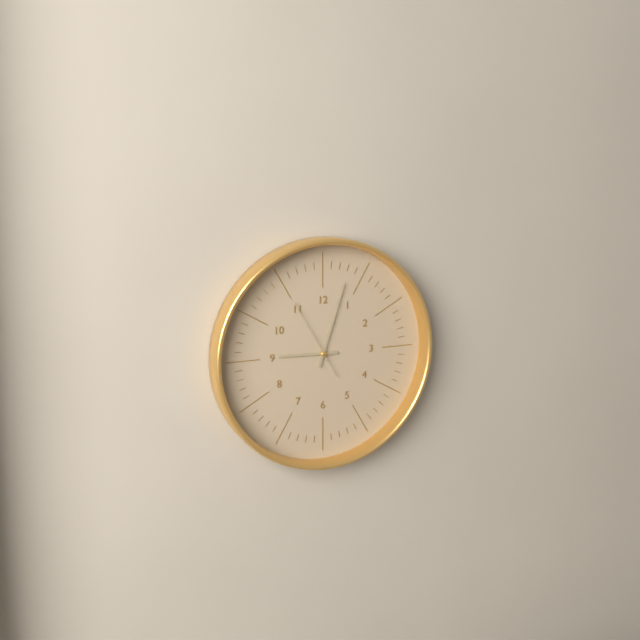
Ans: 9:03:55
